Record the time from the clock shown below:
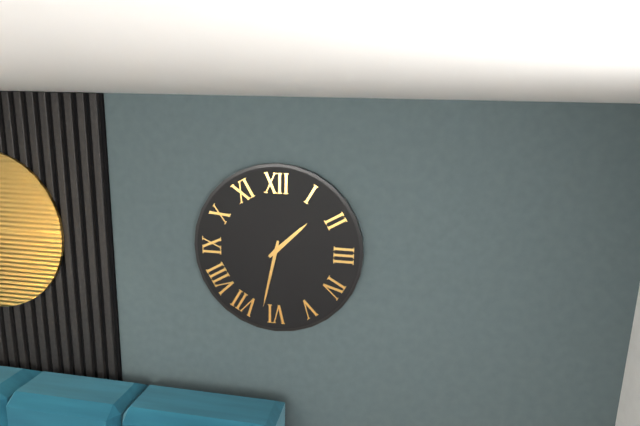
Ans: 1:32
